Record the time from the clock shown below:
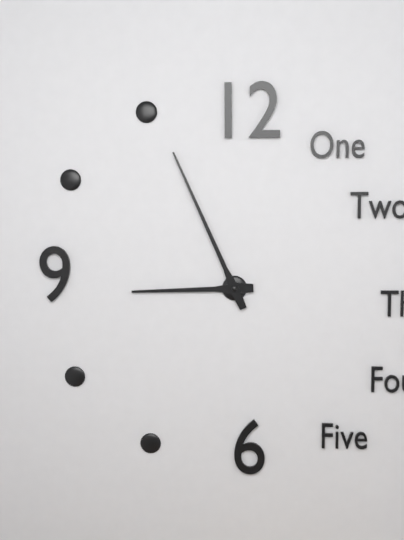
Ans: 8:56
